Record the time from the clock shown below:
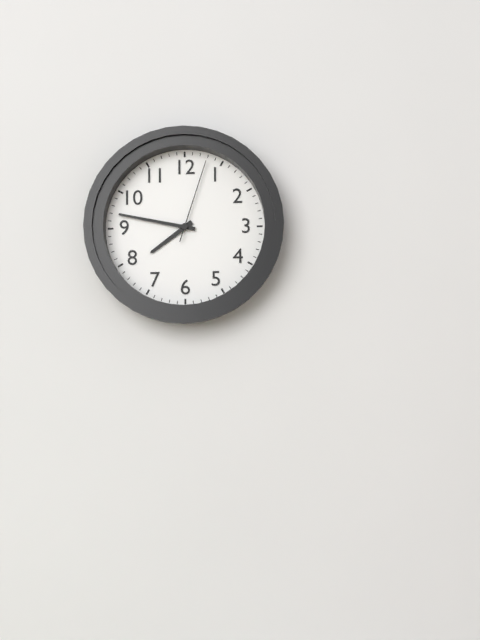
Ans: 7:47:03
